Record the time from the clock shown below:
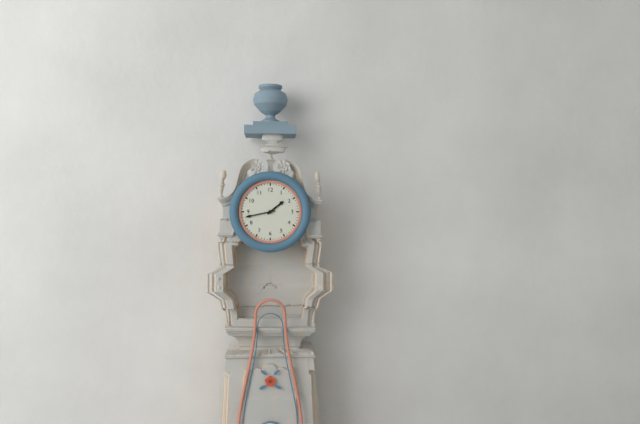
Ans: 1:43
